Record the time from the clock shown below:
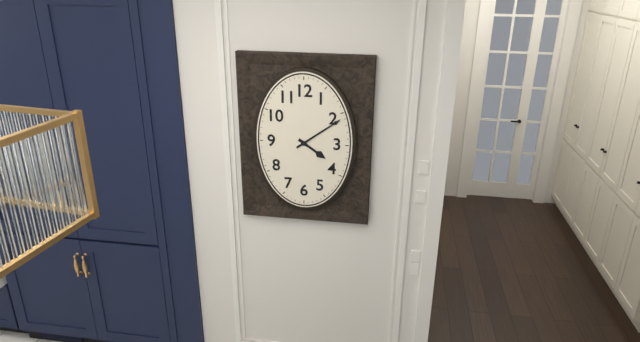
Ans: 4:09
